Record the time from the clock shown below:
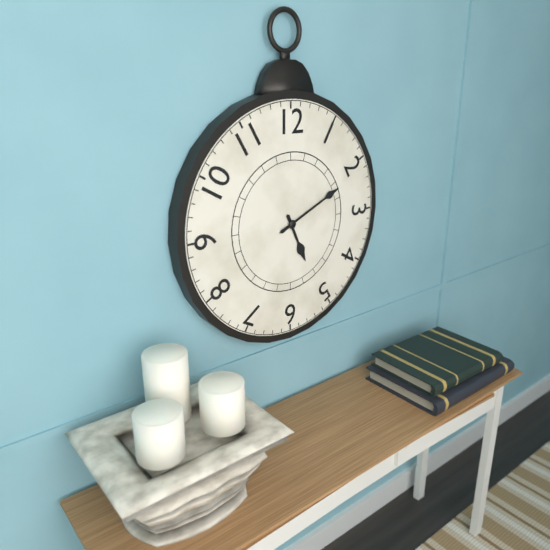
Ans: 5:11
